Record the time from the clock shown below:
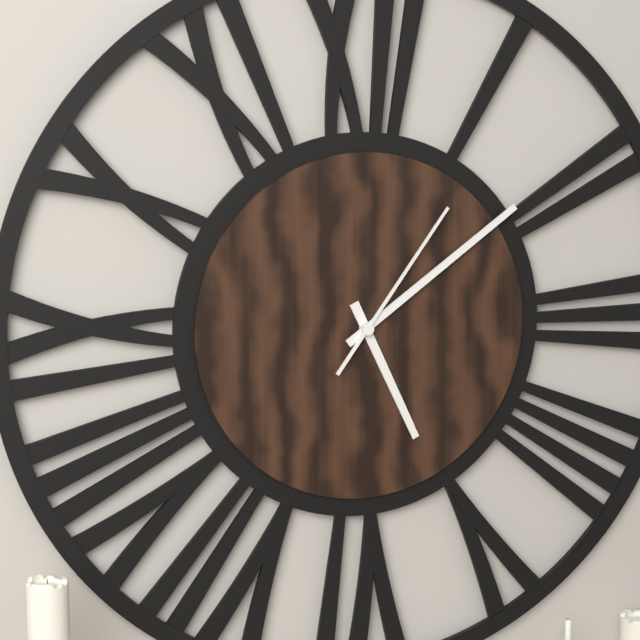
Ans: 5:09:06
